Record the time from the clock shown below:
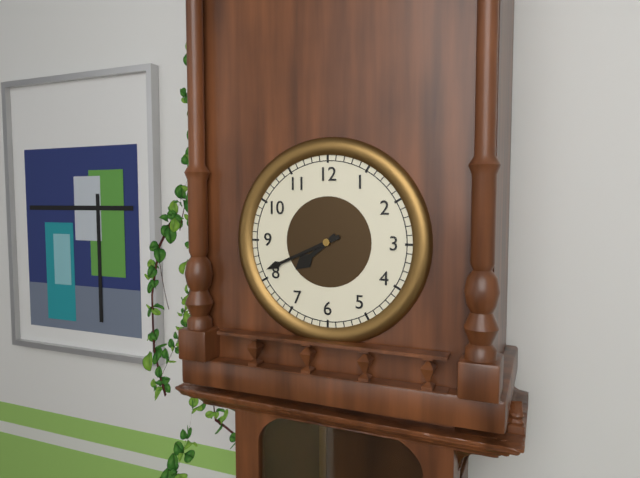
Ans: 7:41
